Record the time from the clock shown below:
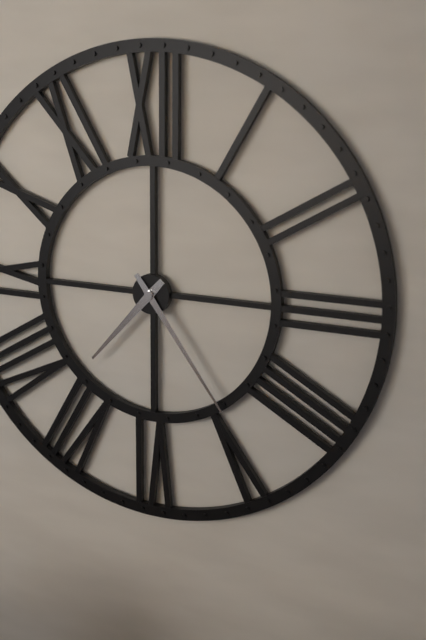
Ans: 7:24
